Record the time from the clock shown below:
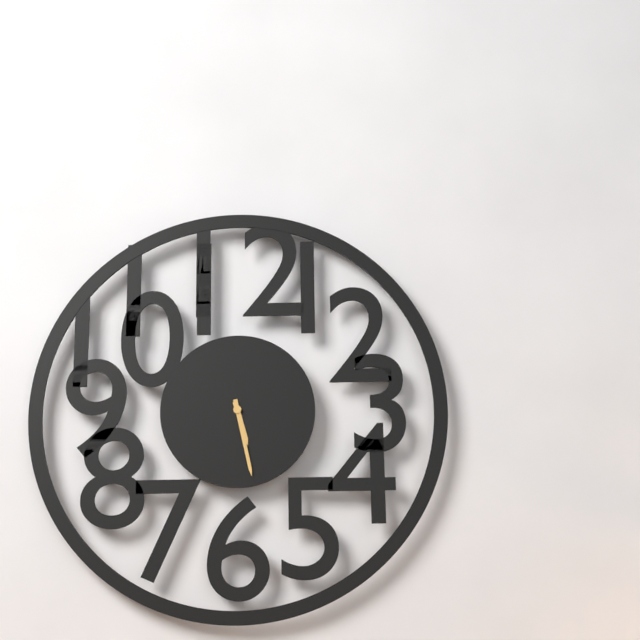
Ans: 5:28
